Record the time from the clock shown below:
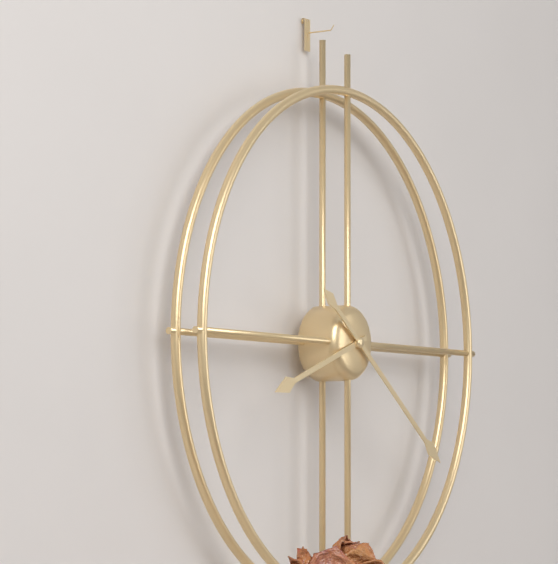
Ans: 8:21
